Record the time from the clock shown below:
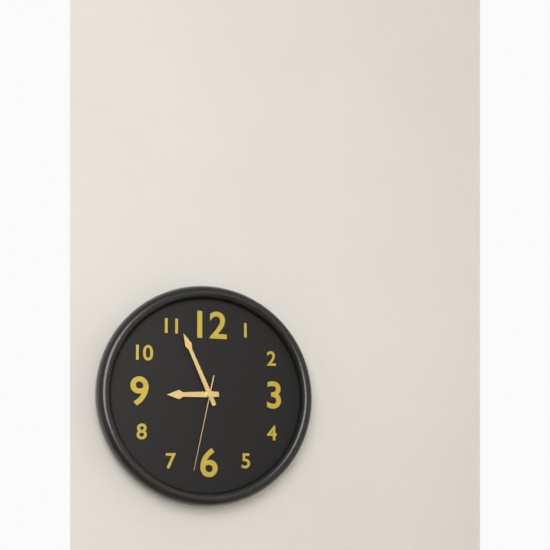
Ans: 8:56:32
